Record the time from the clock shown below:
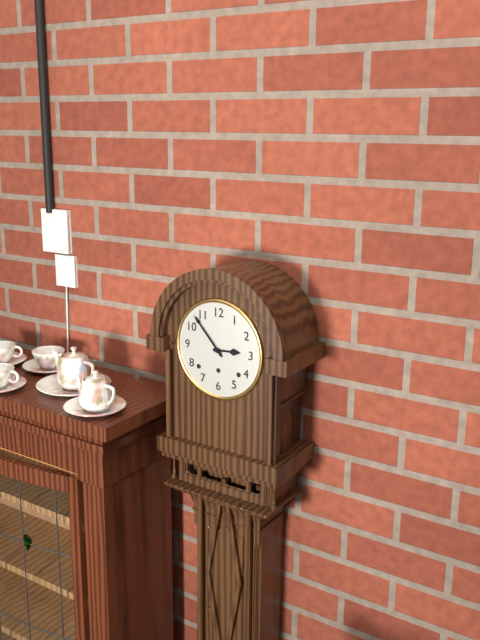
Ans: 2:53
